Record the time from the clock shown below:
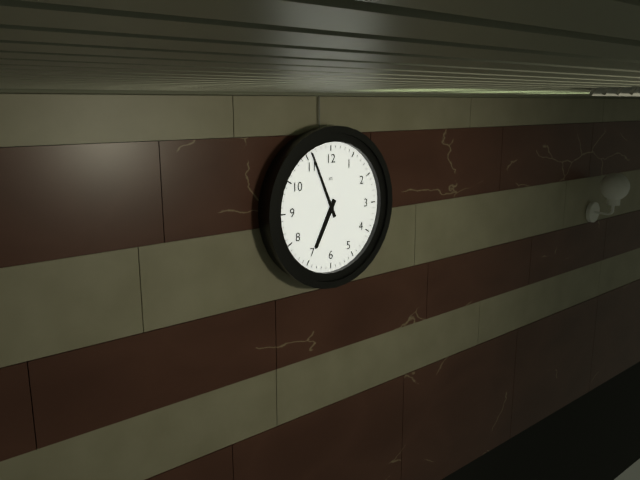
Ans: 6:56
